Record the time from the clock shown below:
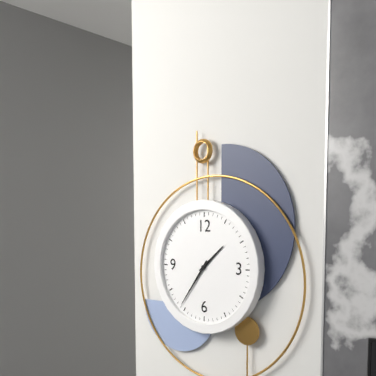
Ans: 1:36
